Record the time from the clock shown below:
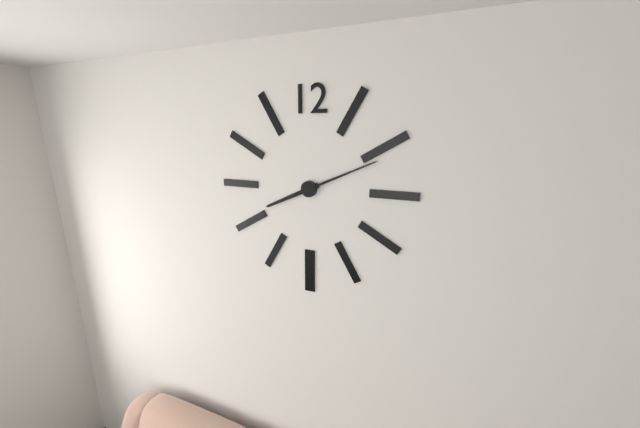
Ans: 8:11
